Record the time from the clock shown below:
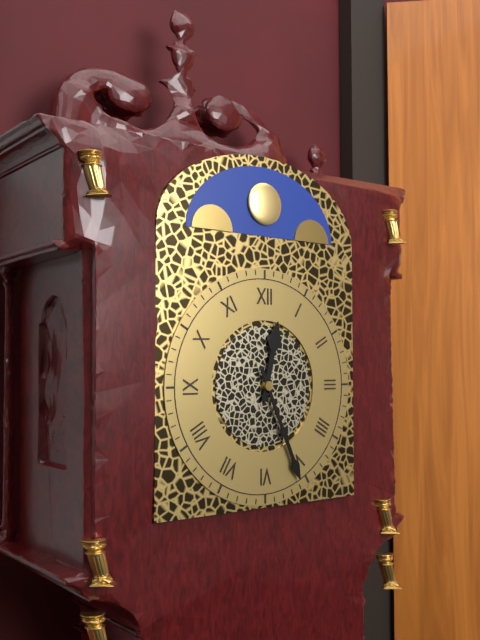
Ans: 12:26
